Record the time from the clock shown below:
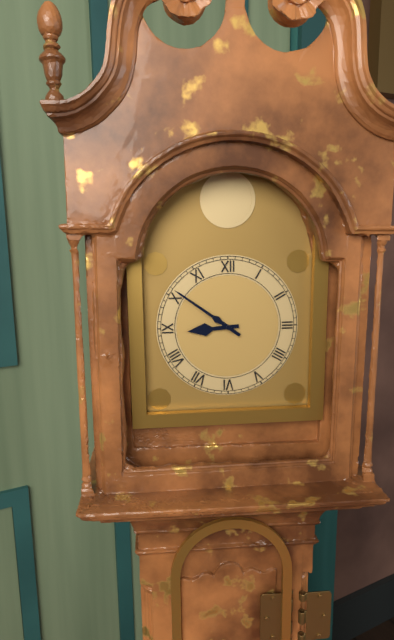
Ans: 8:51
